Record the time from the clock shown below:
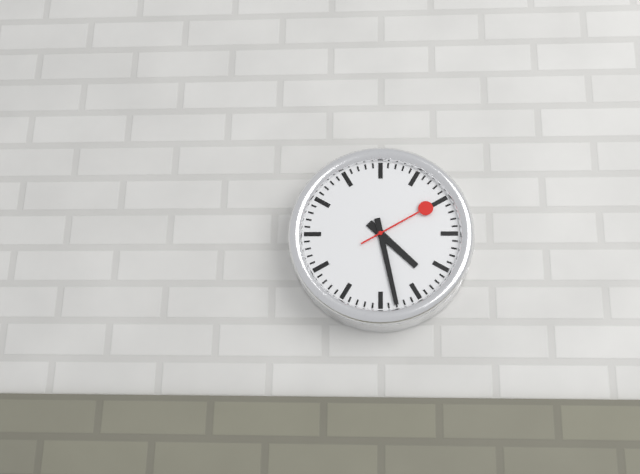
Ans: 4:28:10
